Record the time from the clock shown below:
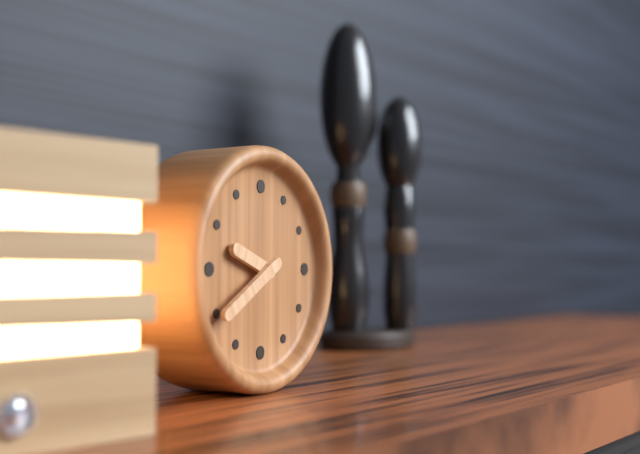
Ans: 9:40
